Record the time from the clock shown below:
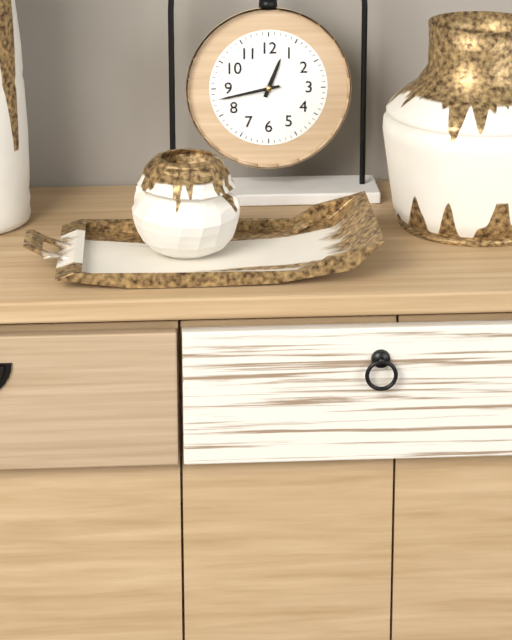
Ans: 12:43
